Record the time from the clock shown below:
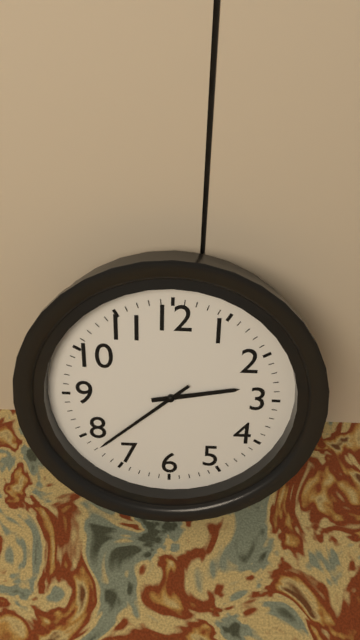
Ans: 2:38
